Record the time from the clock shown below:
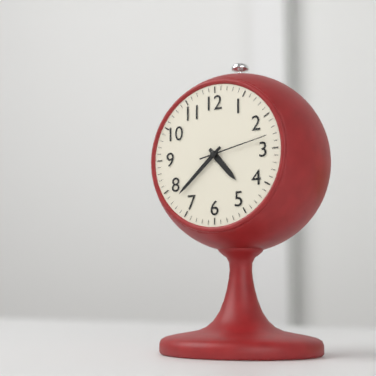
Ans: 4:38:13
